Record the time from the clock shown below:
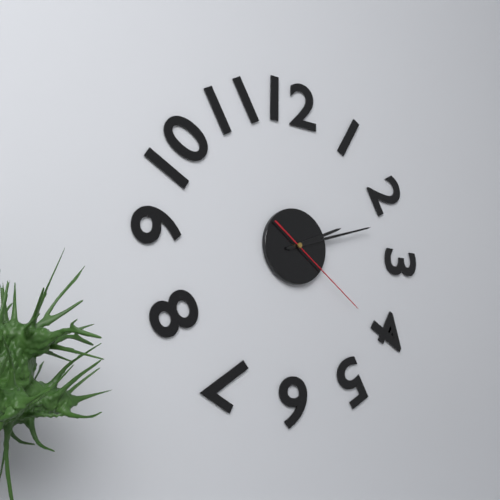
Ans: 2:12:21
